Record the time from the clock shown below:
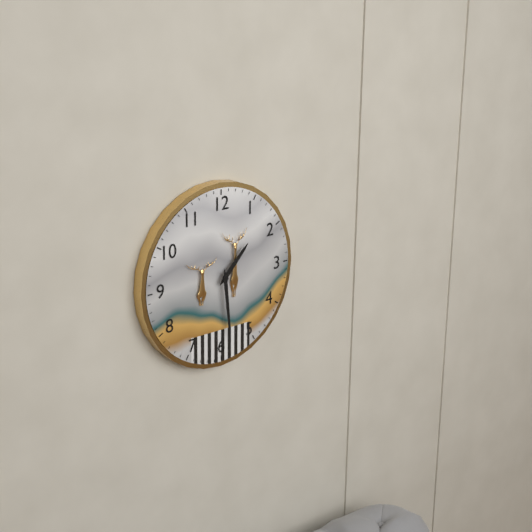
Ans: 1:29
